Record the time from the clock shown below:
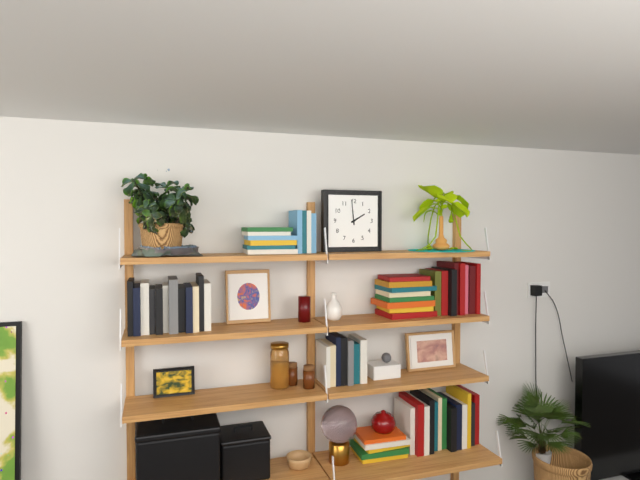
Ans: 1:59
